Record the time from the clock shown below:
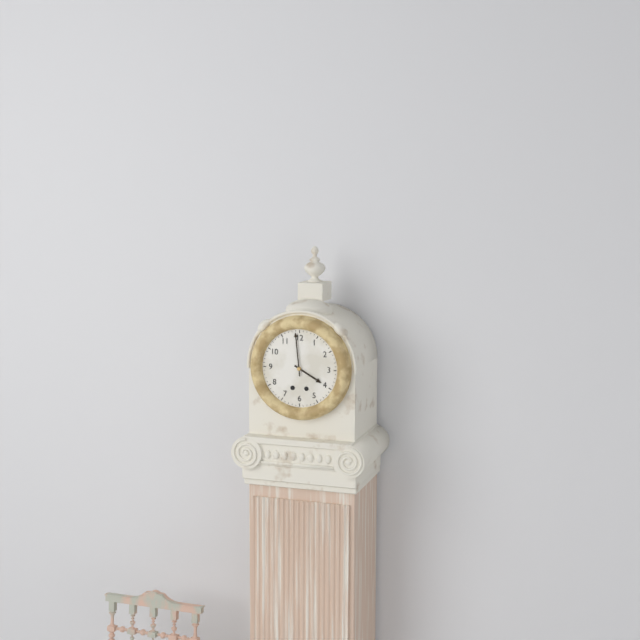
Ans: 3:59
